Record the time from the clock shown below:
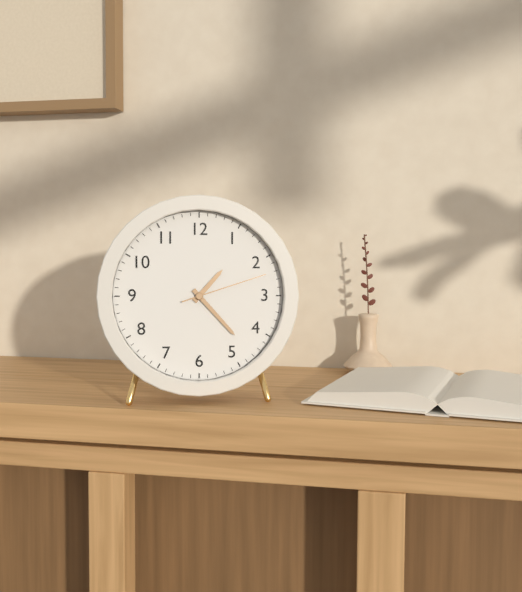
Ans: 1:23:12
